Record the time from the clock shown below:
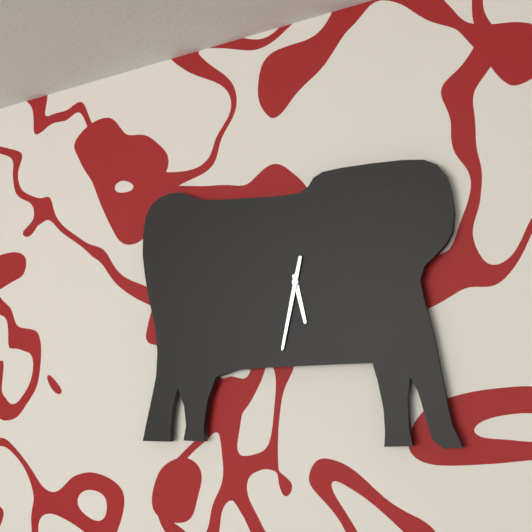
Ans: 5:32
